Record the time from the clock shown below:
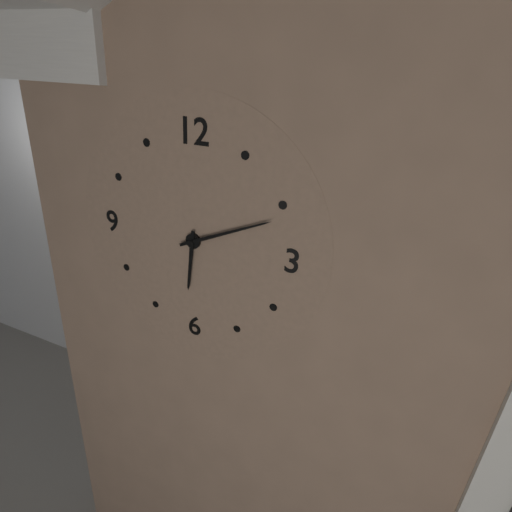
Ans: 6:11
